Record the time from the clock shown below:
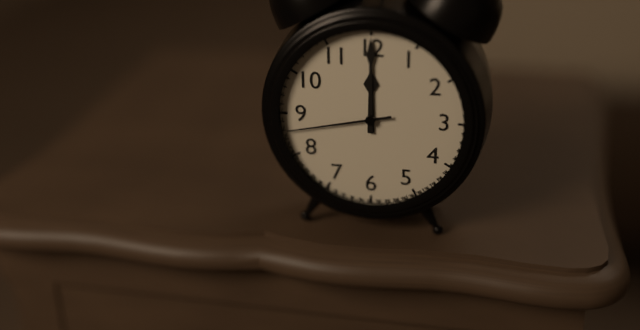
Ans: 12:00:43
